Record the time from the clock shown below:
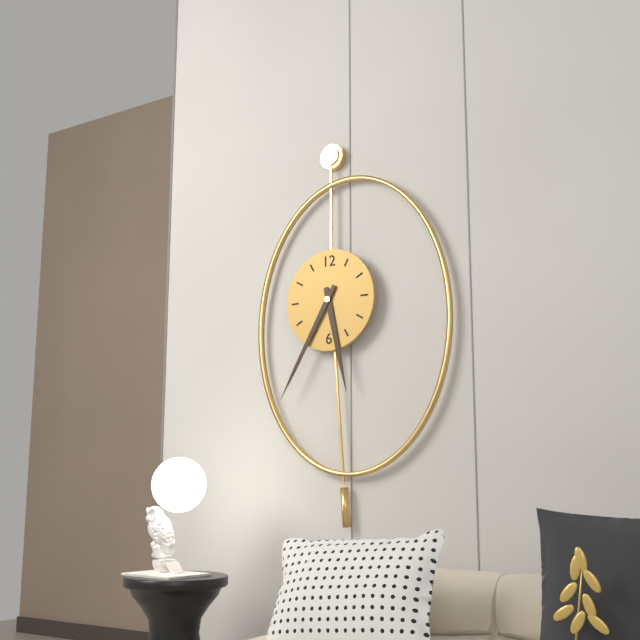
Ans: 5:35
